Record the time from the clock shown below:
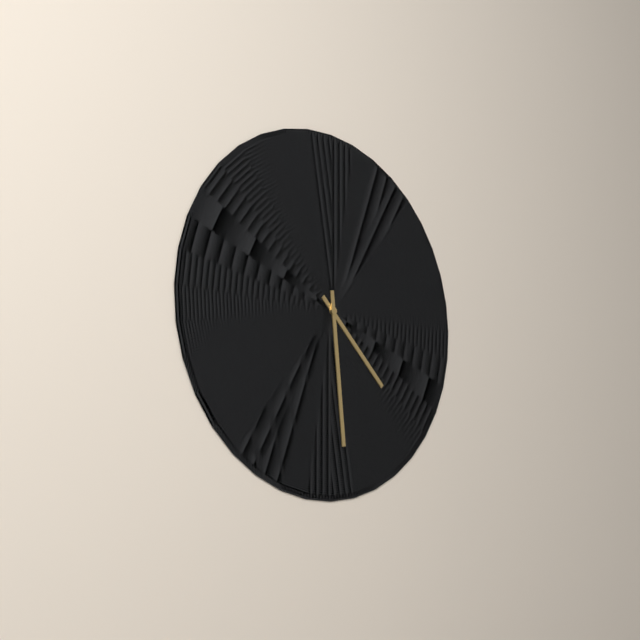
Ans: 4:29
